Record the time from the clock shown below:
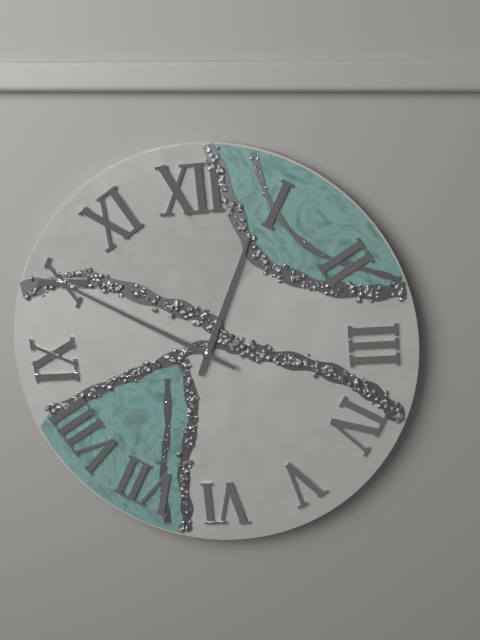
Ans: 12:50
